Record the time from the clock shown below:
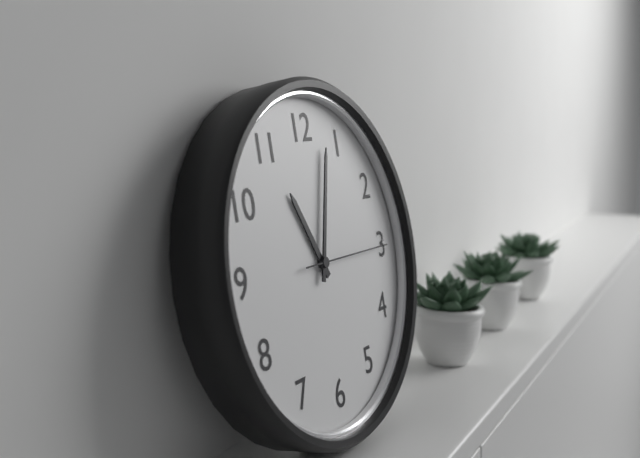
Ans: 11:03:15
